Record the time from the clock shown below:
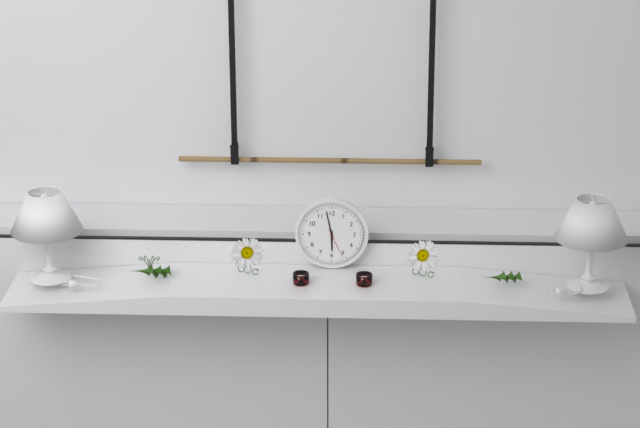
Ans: 5:58
